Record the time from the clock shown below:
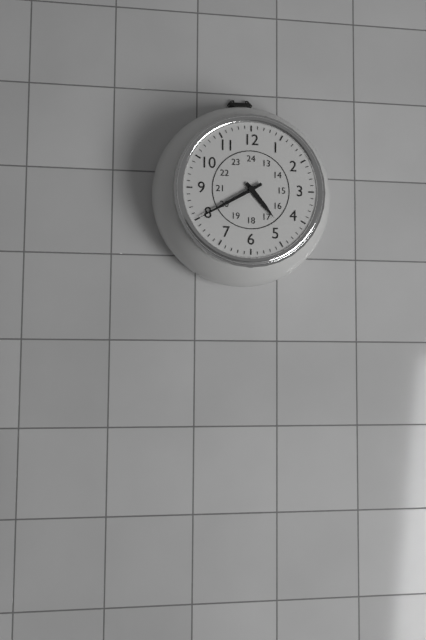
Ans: 4:40
